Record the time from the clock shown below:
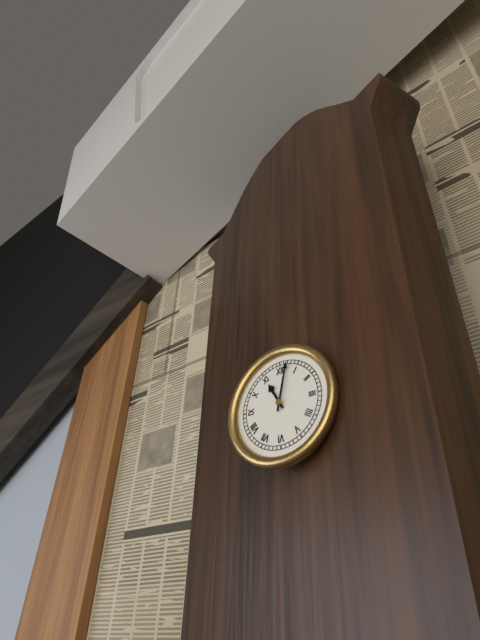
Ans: 11:02
